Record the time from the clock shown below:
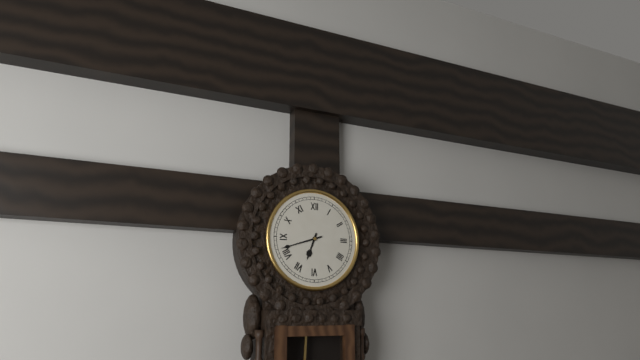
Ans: 6:42
